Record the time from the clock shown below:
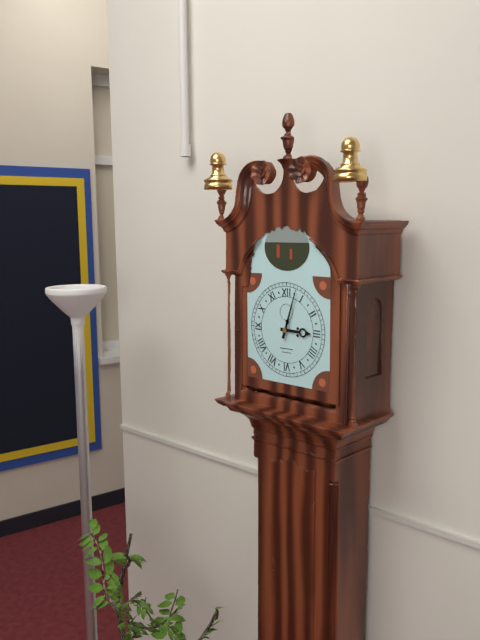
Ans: 3:03
